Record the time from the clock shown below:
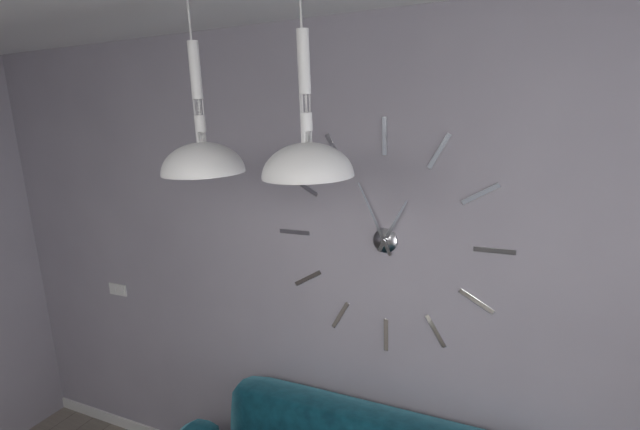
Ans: 12:56
